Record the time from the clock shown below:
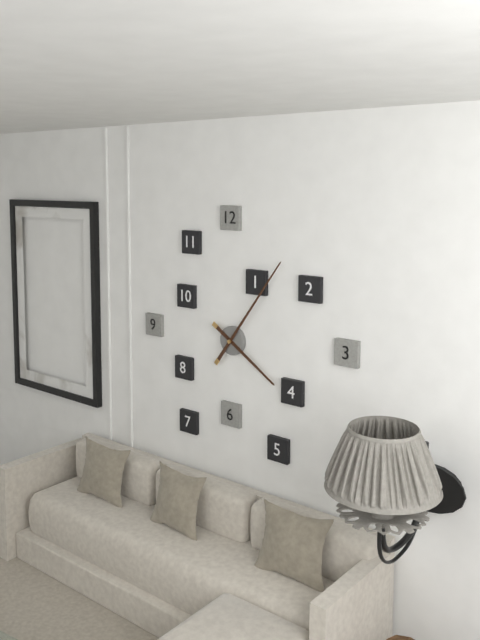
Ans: 4:06
